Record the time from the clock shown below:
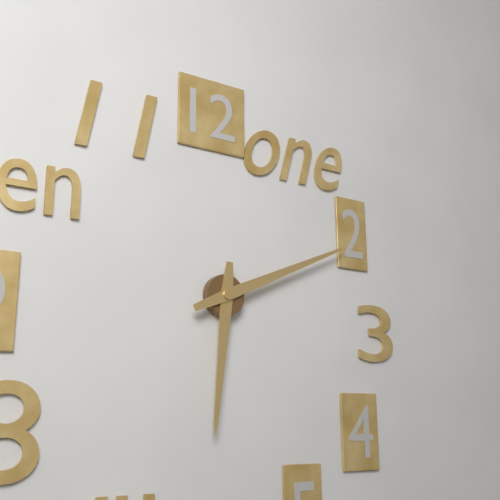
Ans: 6:11
